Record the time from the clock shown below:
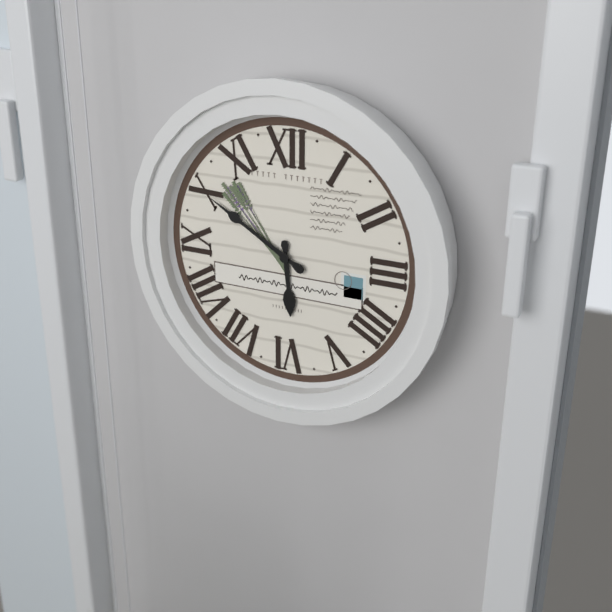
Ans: 5:50
